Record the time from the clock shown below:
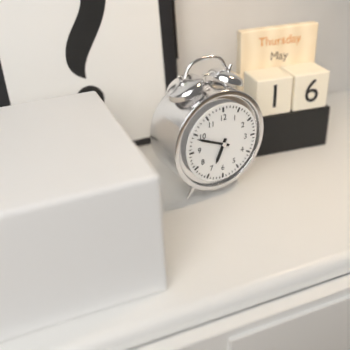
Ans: 6:49
